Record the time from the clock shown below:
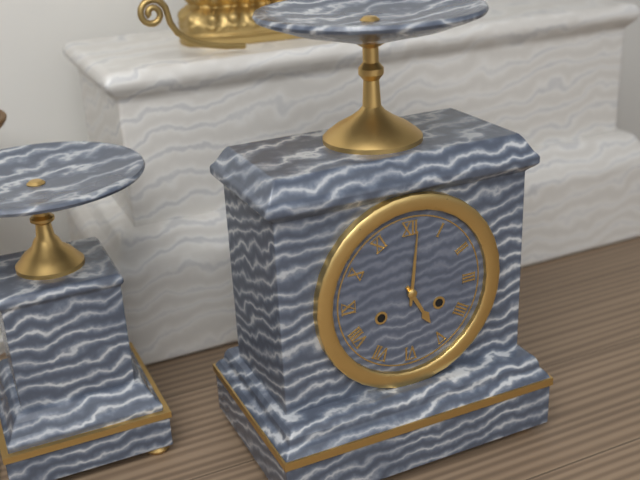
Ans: 5:01
